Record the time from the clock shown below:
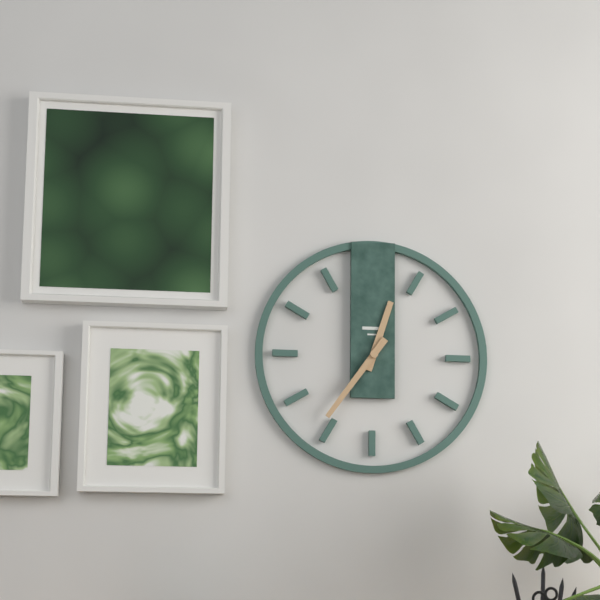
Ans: 12:36
